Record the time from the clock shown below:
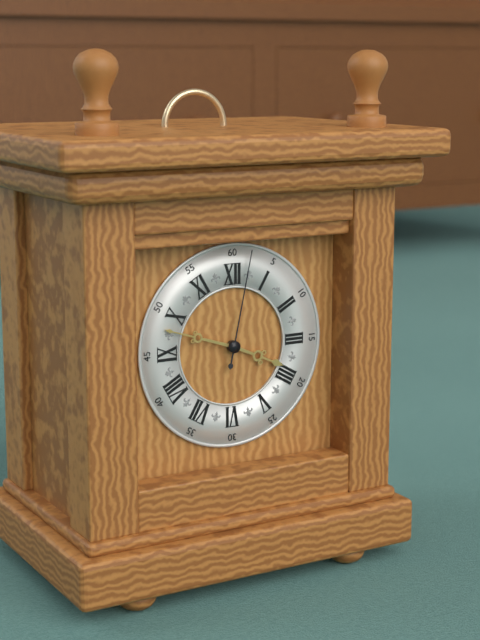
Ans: 3:48:02
